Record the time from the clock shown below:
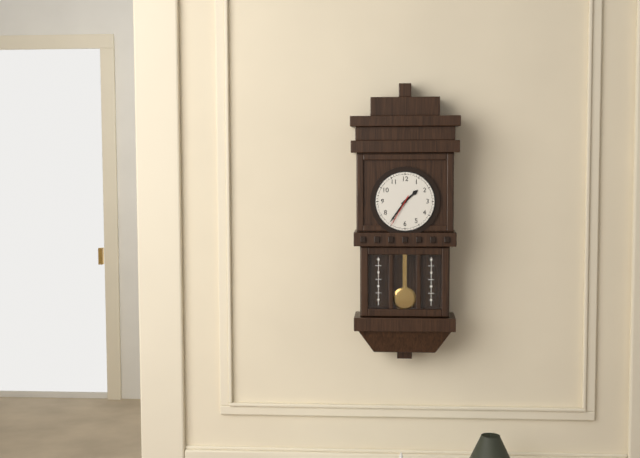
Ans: 1:36
